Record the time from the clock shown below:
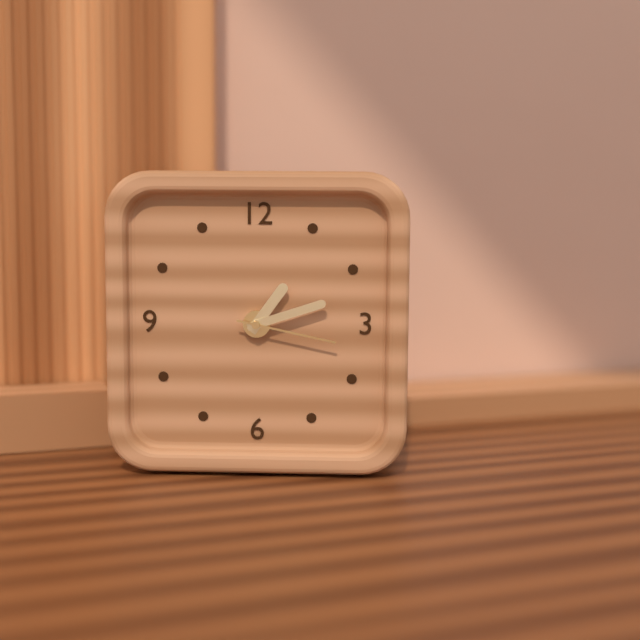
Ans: 1:12:17
